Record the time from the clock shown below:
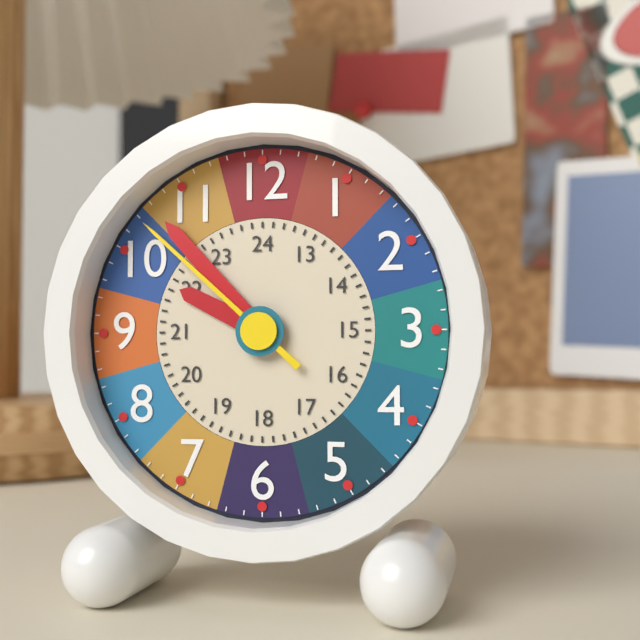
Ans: 9:53:52
